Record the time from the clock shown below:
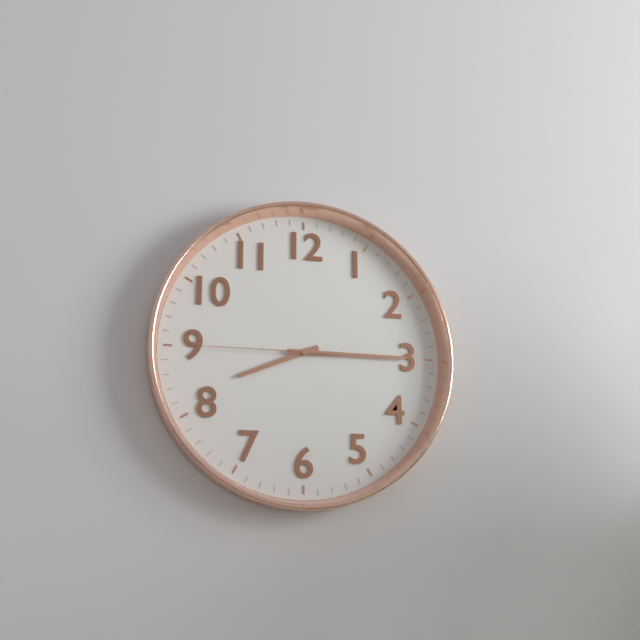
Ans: 8:15:45
